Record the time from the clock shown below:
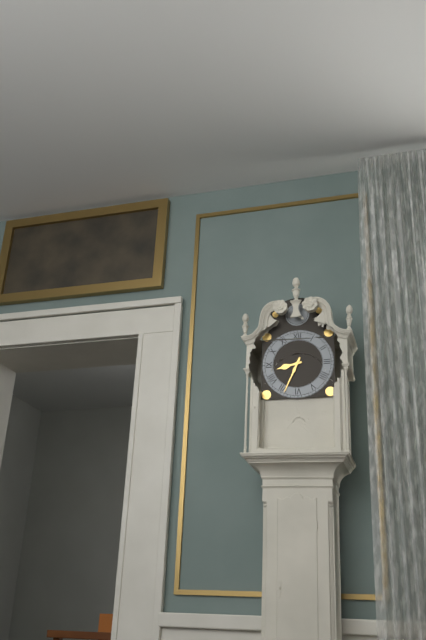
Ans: 8:34
